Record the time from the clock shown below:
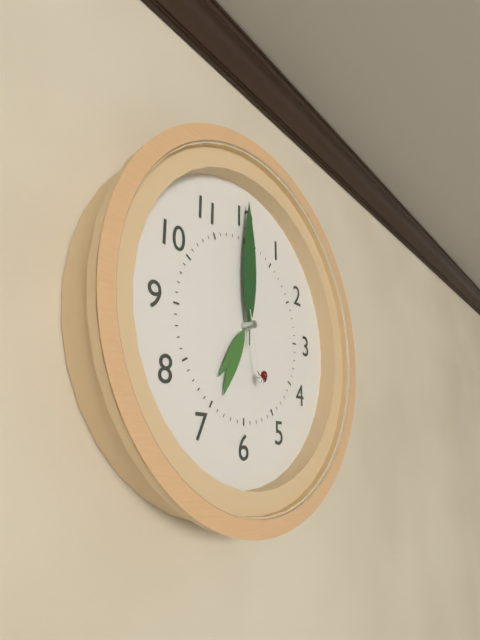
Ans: 7:00:28
